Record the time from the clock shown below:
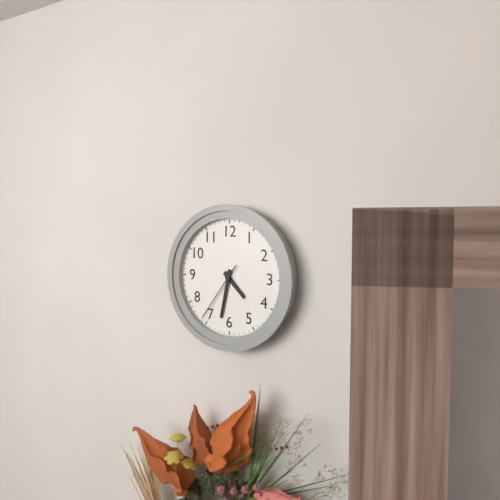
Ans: 4:32:36
